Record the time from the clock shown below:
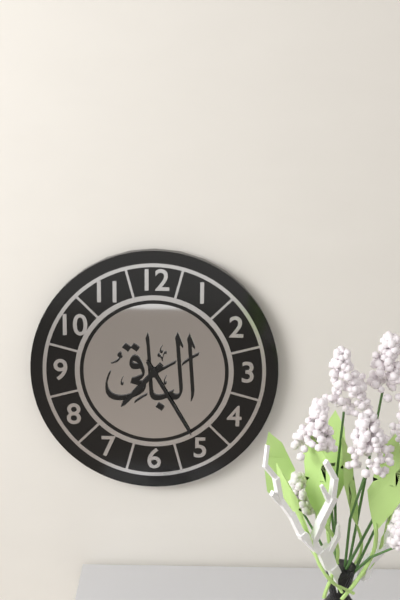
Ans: 7:25
